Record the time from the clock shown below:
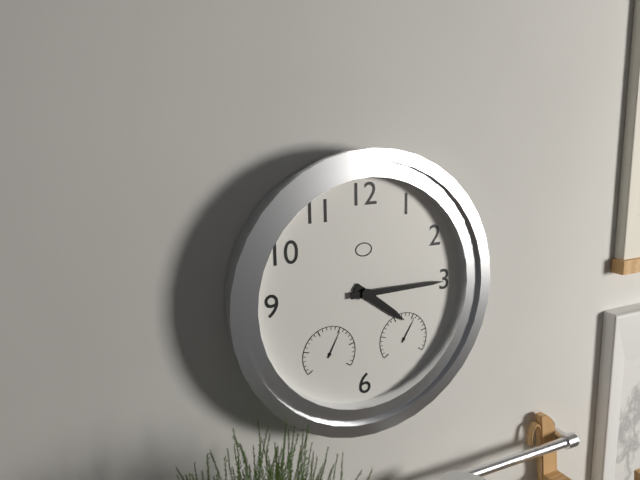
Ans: 4:15
